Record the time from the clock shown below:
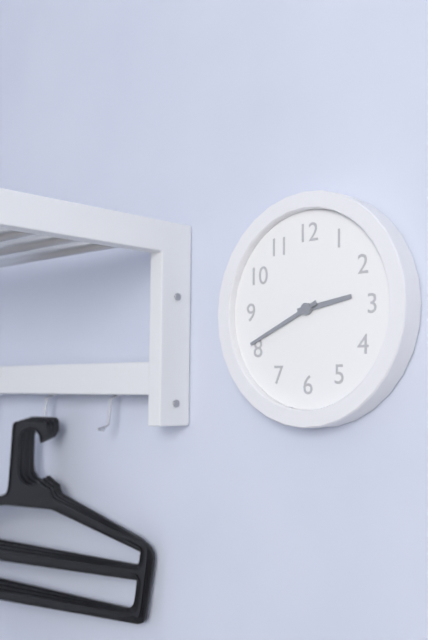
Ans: 2:41
